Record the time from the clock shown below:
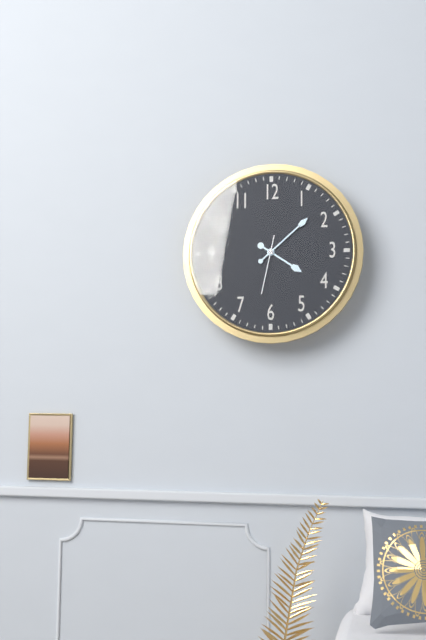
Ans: 4:08:32
